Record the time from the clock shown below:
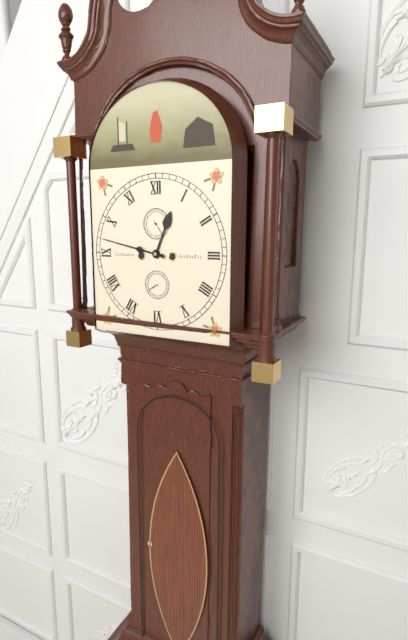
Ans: 12:47
